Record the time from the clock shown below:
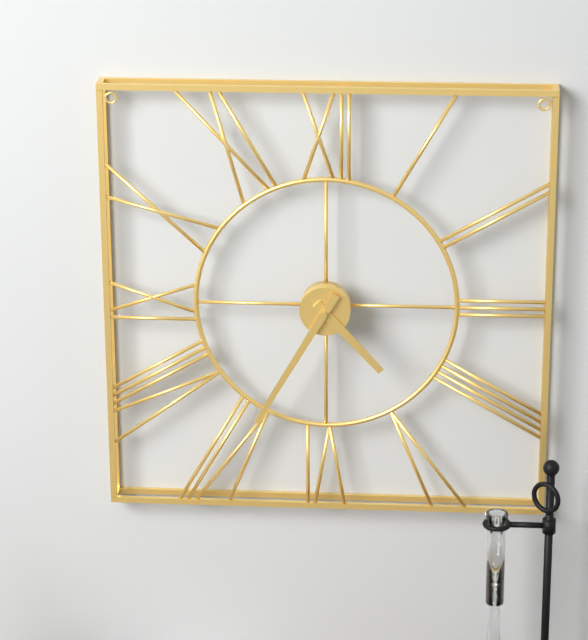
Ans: 4:35
